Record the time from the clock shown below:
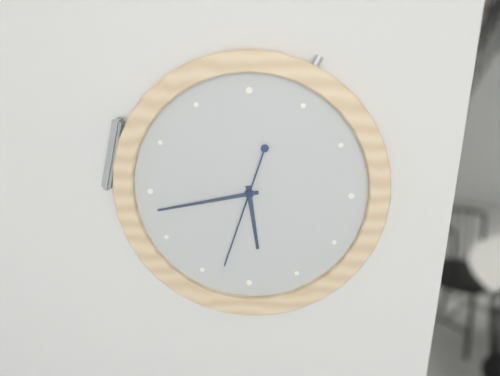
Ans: 5:43:33
